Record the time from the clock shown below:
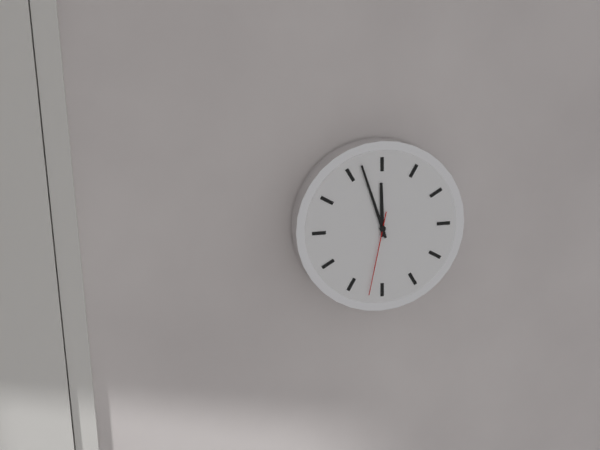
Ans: 11:57:32
